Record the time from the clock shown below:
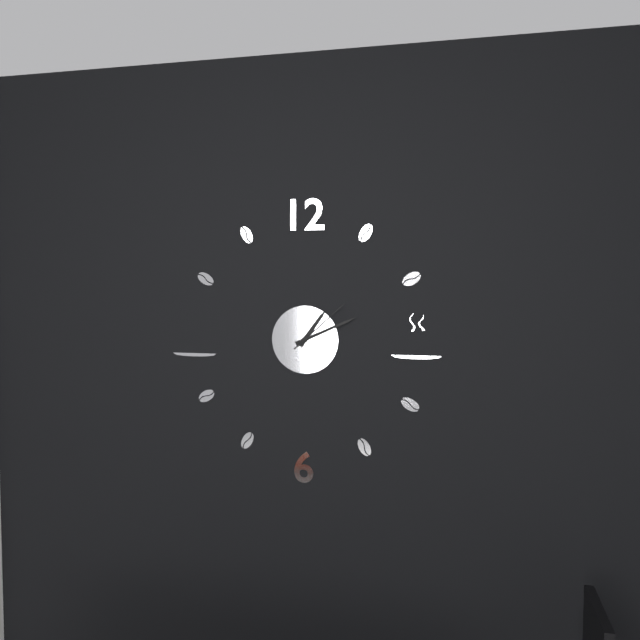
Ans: 1:11:08
